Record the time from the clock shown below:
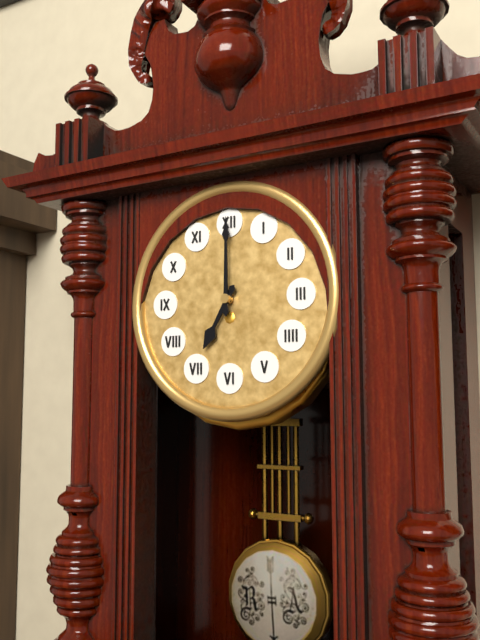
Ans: 7:00
